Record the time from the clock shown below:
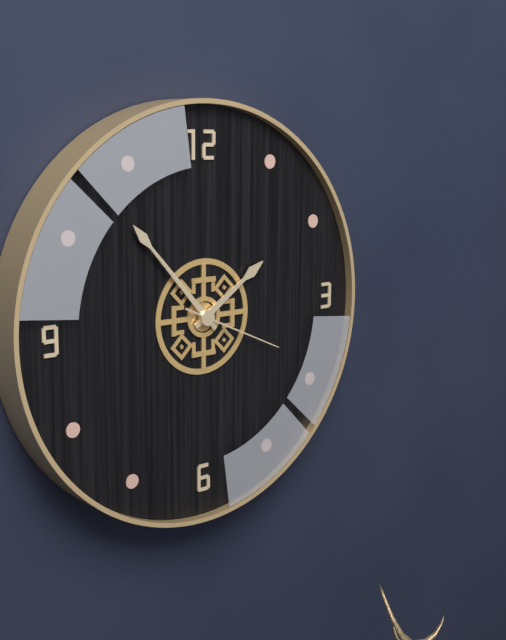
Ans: 1:53:19
